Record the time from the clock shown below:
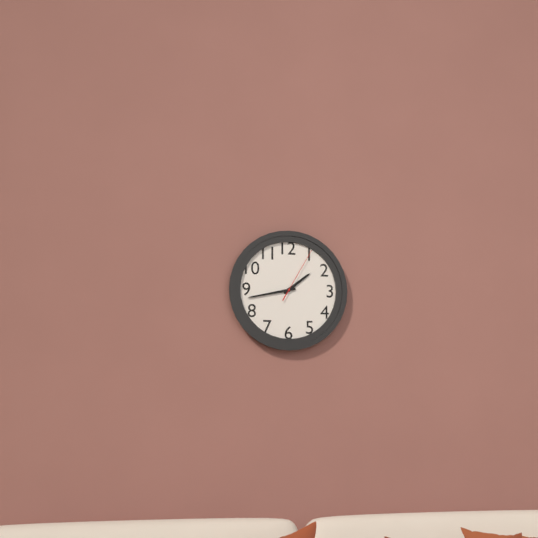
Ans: 1:43:05
